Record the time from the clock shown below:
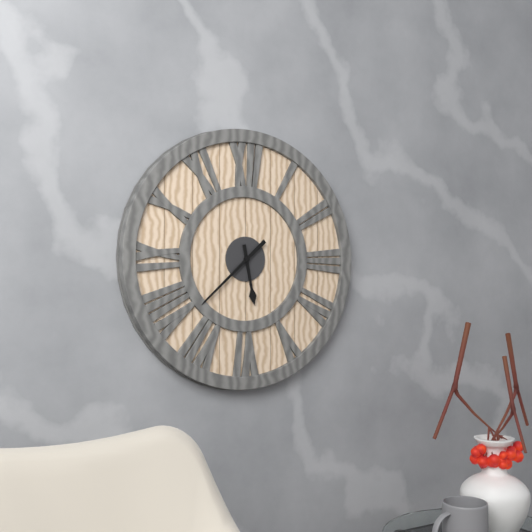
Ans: 5:38
